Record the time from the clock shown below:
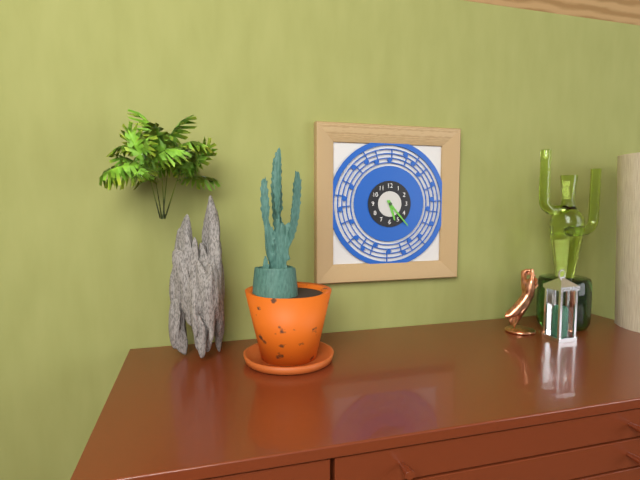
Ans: 5:23
